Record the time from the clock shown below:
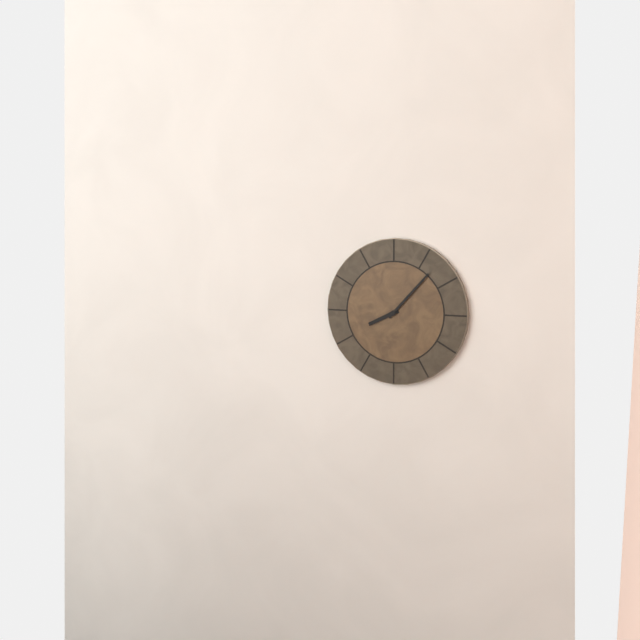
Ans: 8:07
